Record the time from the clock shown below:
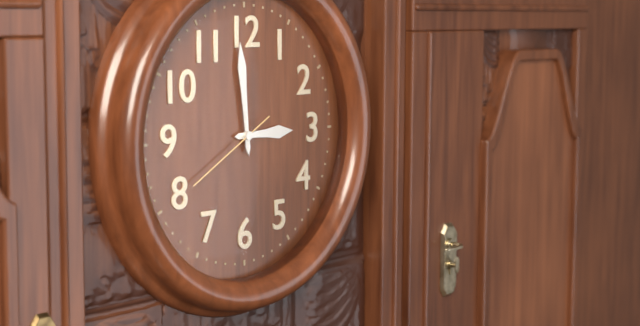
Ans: 2:59:40
